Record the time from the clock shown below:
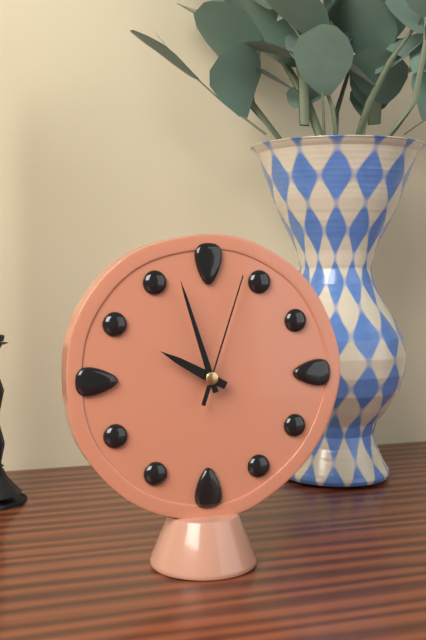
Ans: 9:57:03
